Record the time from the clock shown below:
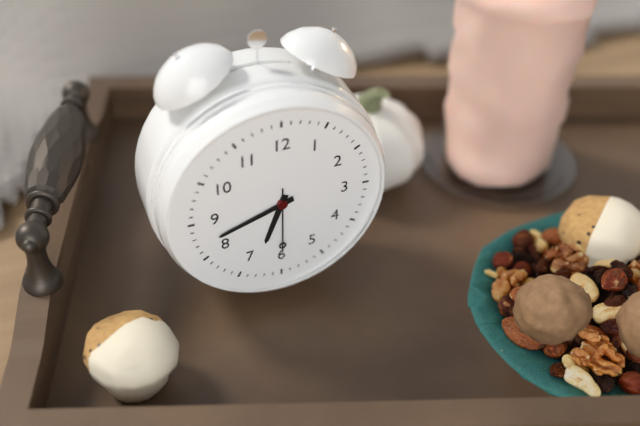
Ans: 6:42:30
